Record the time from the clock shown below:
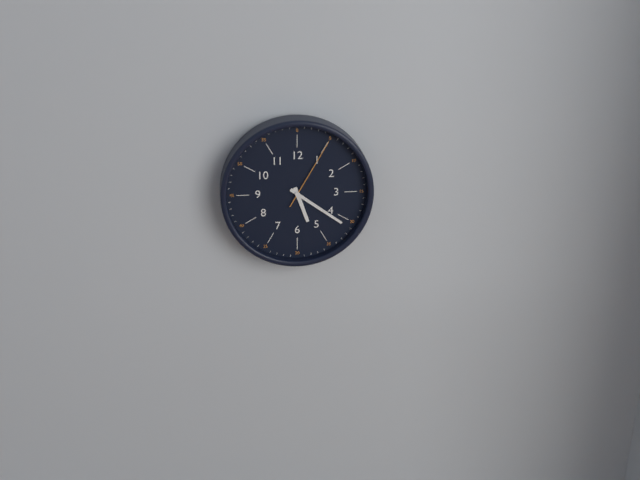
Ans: 5:21:05
